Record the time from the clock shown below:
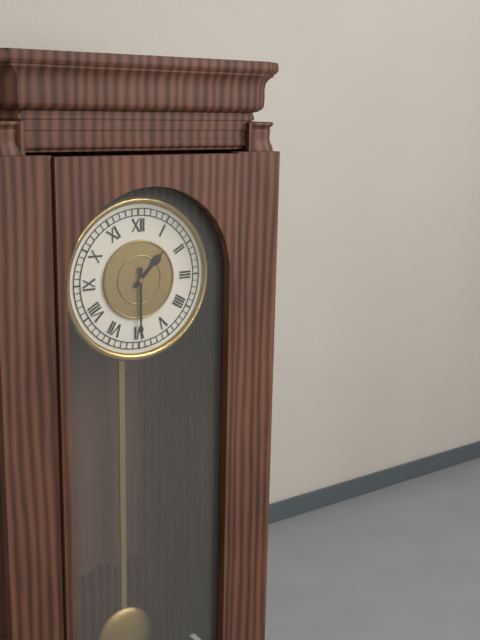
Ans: 1:30
